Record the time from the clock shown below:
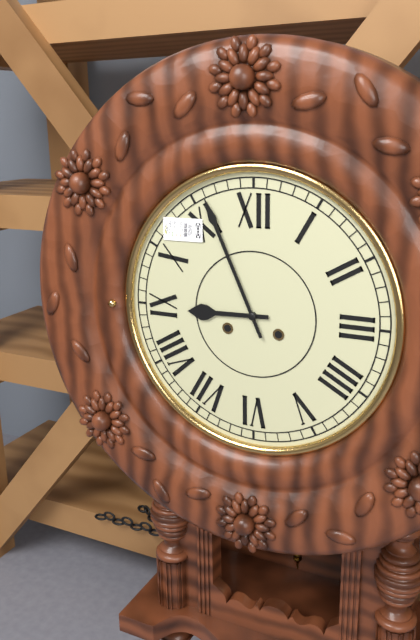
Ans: 8:56
